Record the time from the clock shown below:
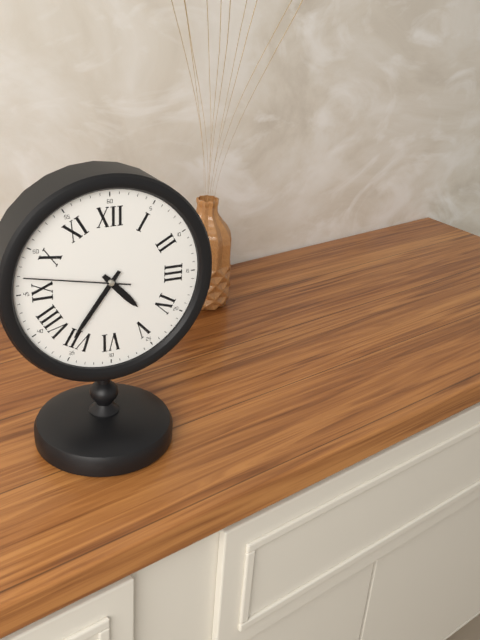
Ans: 4:36:47
